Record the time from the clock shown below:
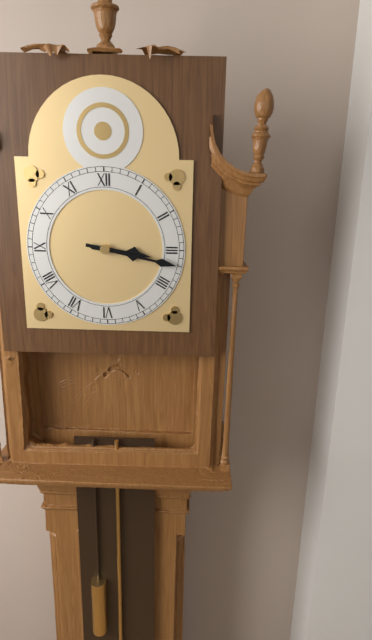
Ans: 3:17
